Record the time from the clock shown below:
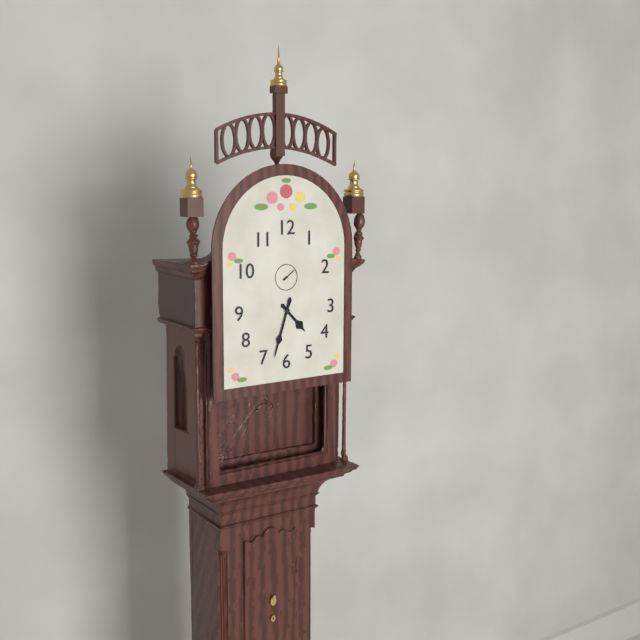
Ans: 4:33
